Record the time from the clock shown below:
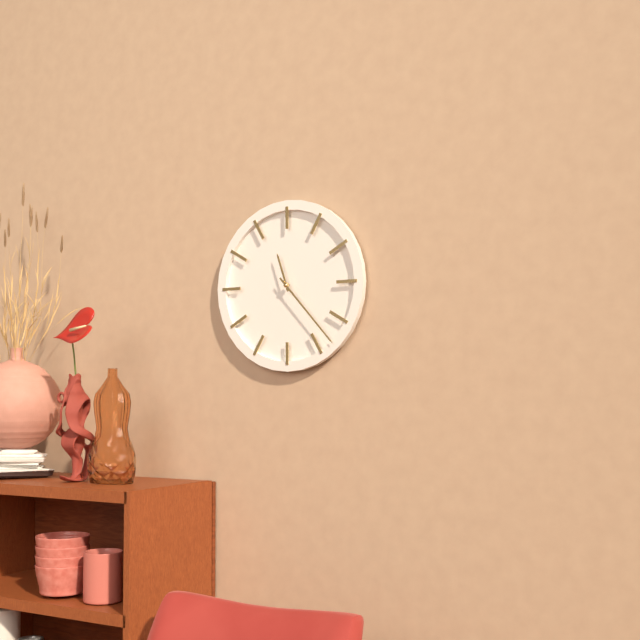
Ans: 11:23
